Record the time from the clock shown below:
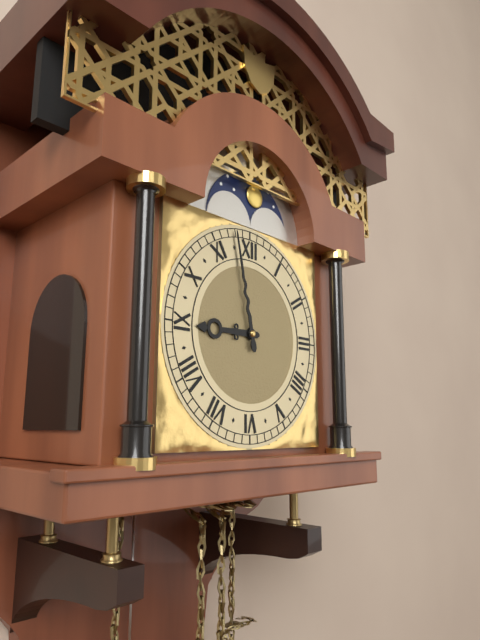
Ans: 8:58
